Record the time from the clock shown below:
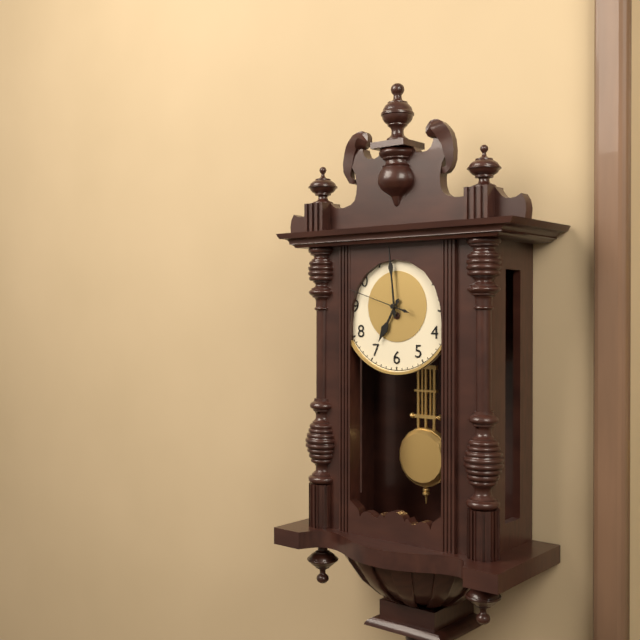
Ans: 6:59:48
